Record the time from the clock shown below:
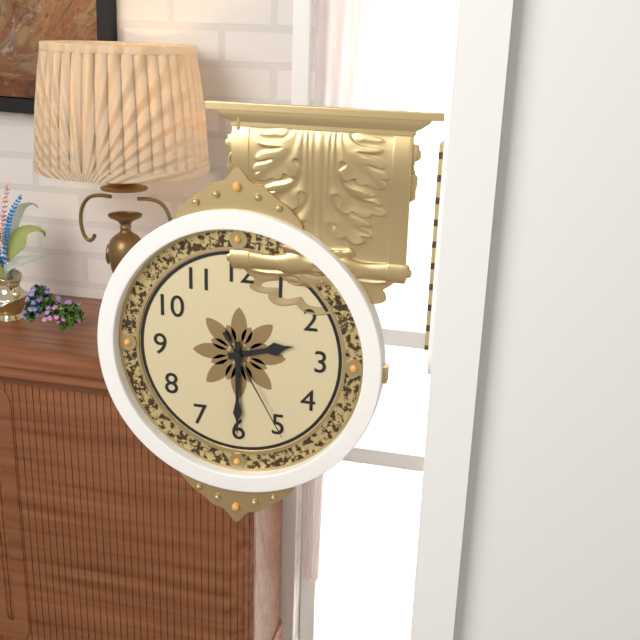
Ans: 2:30:25
